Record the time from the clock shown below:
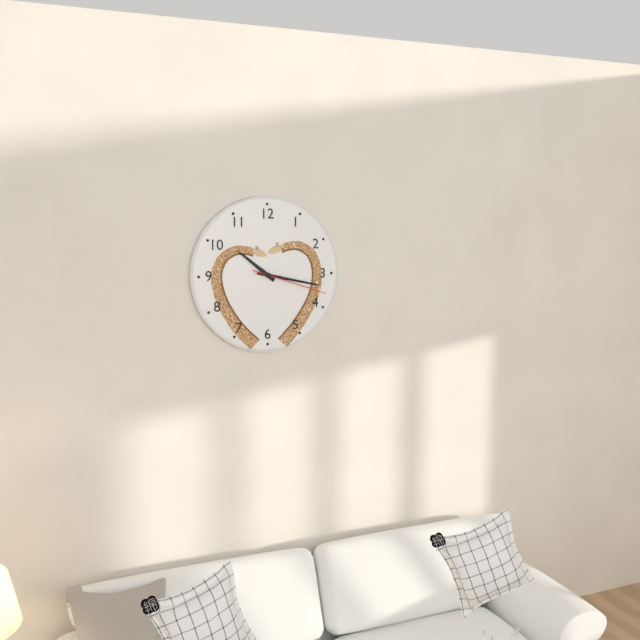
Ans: 10:17:18
